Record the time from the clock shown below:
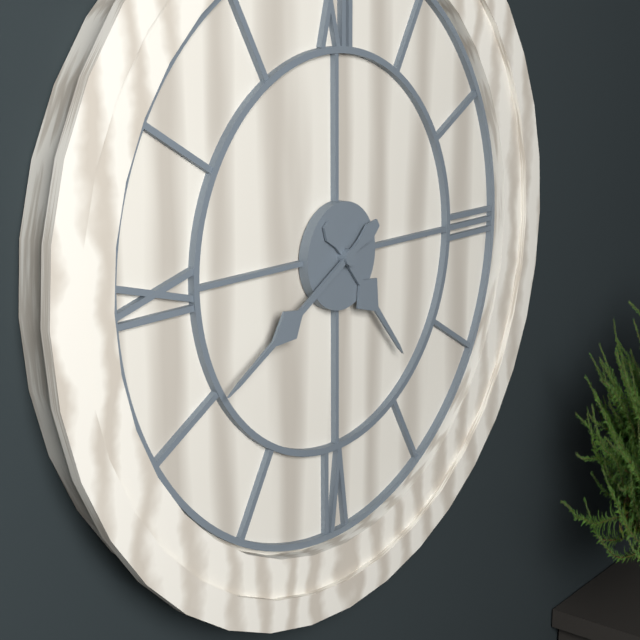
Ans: 4:40
